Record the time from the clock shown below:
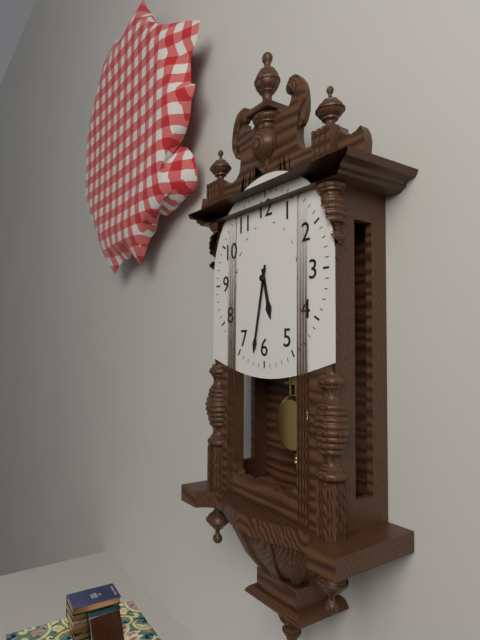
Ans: 5:32
